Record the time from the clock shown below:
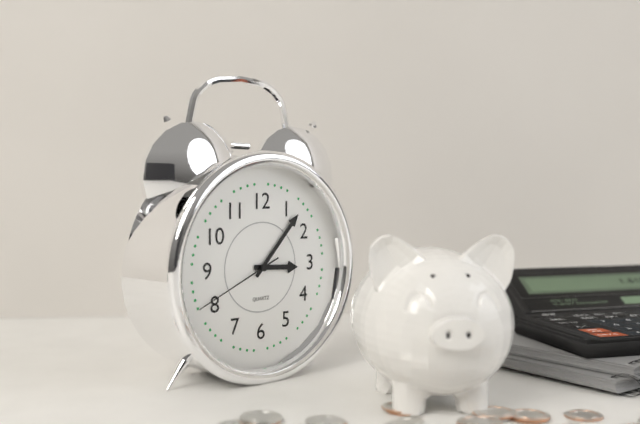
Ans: 3:07:41
